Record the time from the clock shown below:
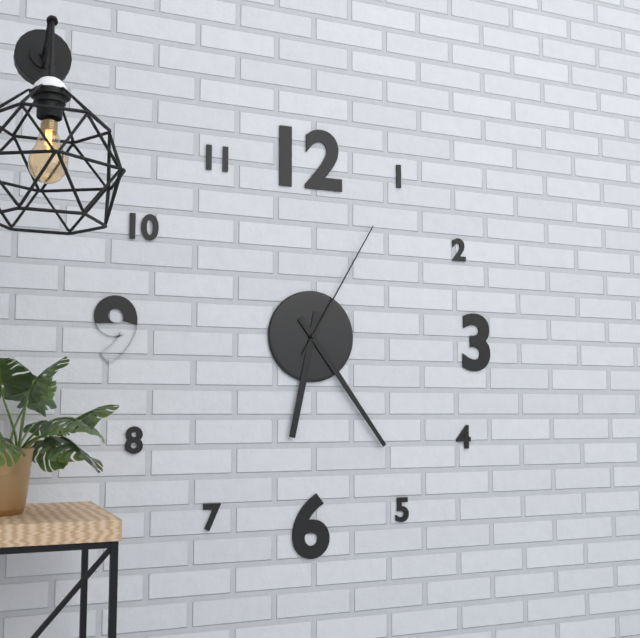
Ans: 6:24:05
